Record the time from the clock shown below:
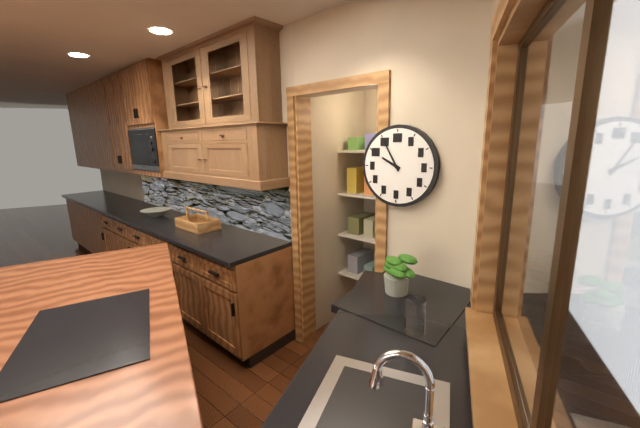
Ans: 9:55
